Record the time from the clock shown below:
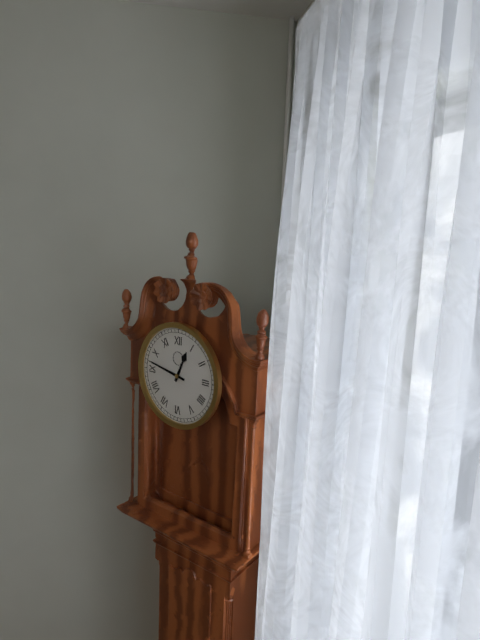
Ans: 12:47
